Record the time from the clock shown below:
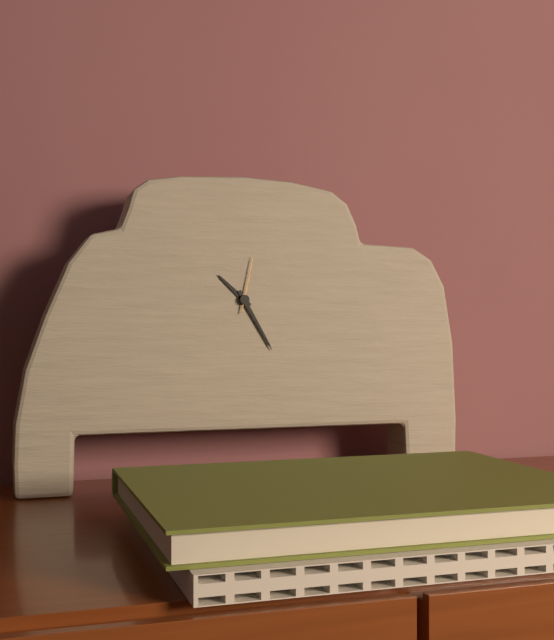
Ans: 10:25:02
